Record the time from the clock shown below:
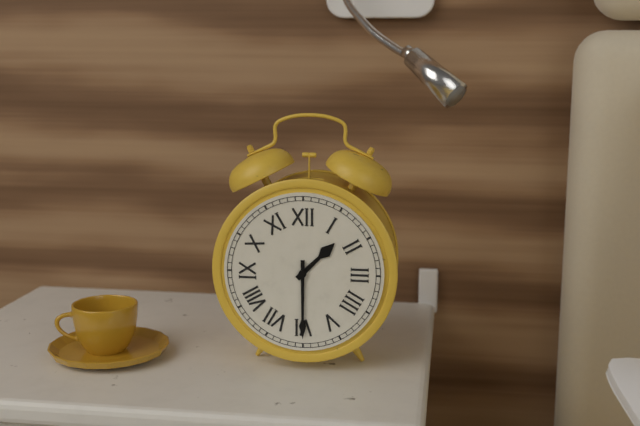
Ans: 1:30
